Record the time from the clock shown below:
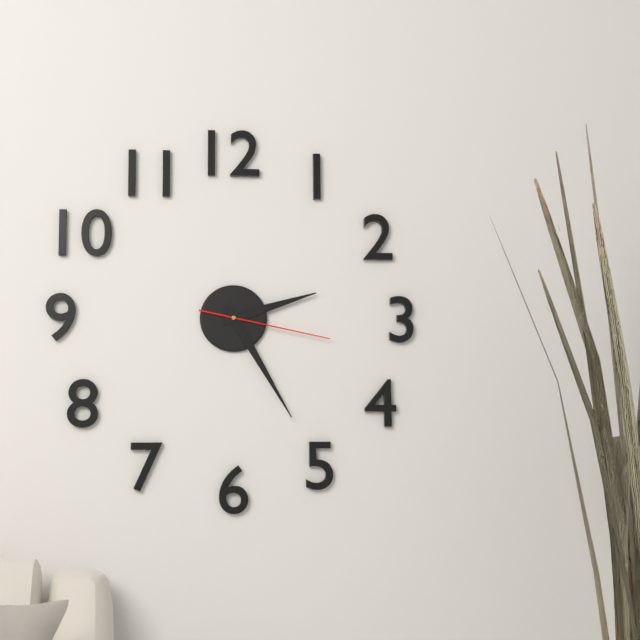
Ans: 2:25:17
